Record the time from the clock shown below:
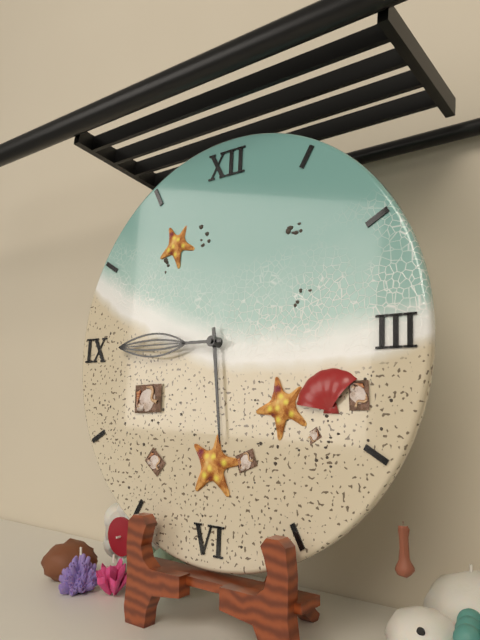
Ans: 5:45
